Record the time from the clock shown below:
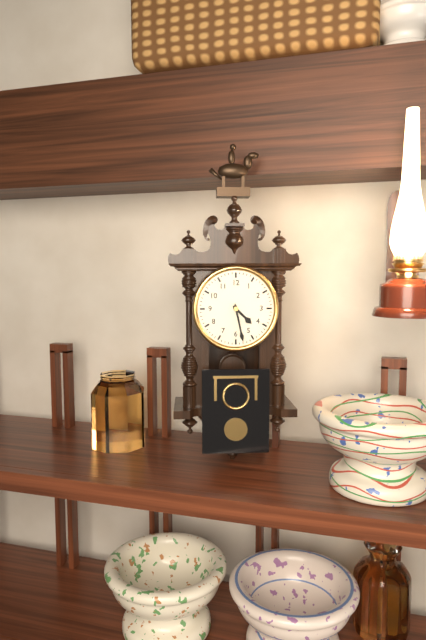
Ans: 4:28
